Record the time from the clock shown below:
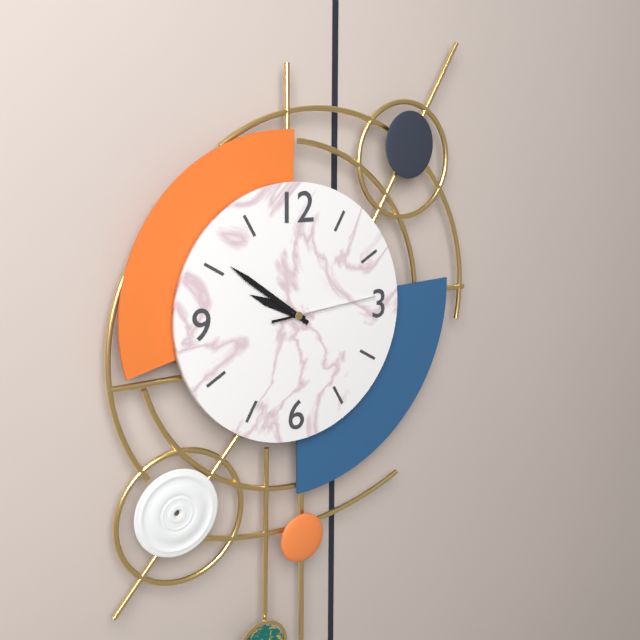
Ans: 9:51:14
